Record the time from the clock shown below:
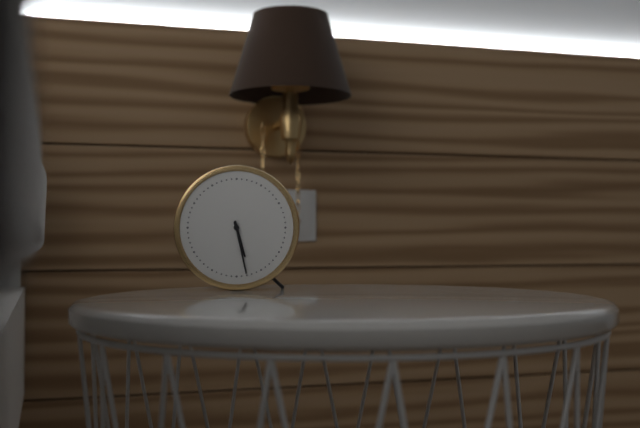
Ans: 5:28
